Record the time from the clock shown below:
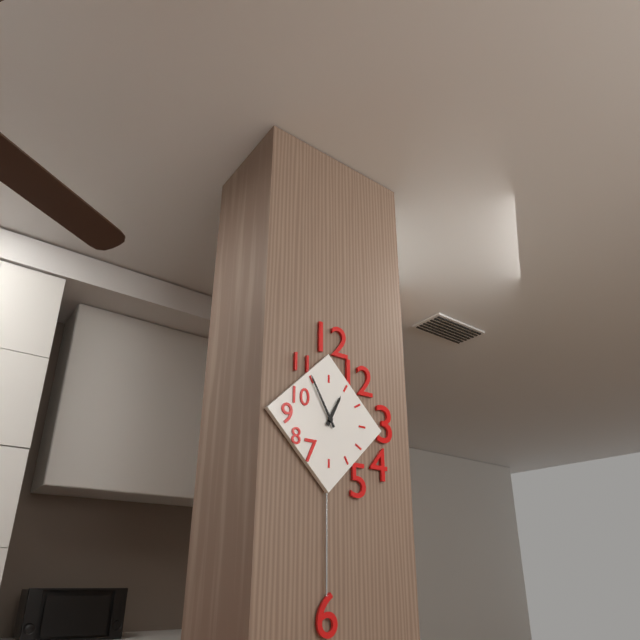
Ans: 12:55
